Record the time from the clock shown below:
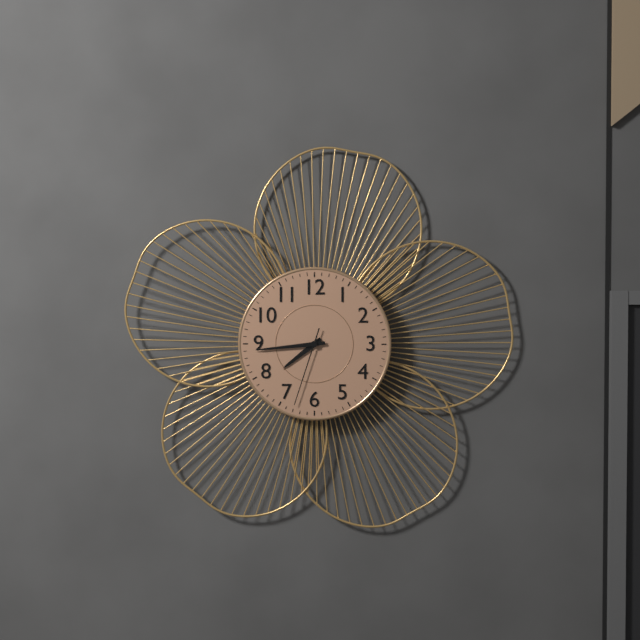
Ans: 7:44:33
